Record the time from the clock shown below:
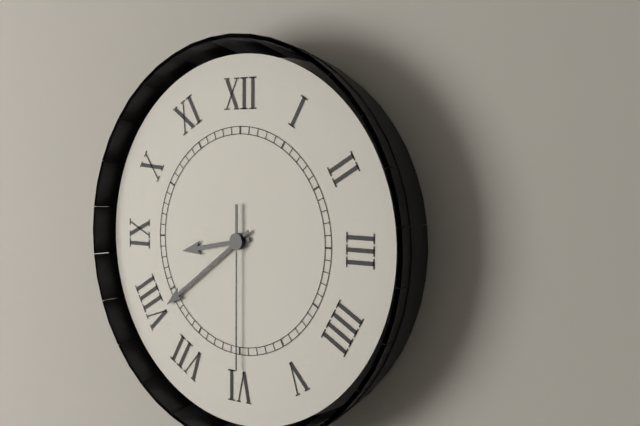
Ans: 8:39:30
